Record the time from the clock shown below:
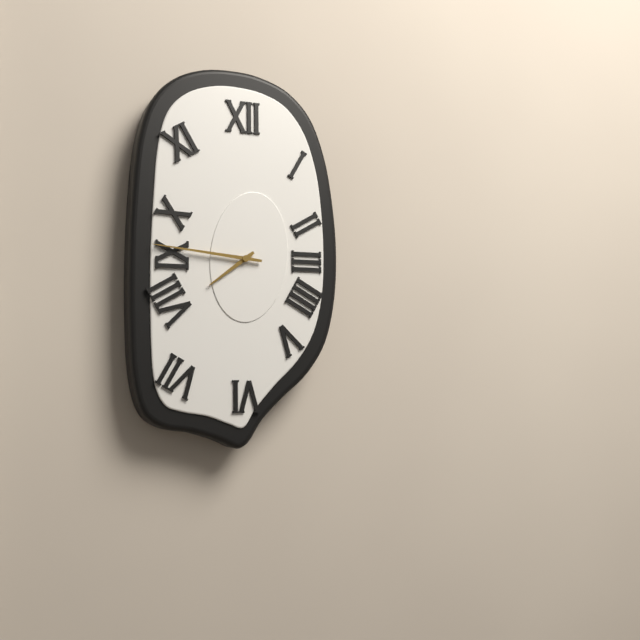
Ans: 7:46
